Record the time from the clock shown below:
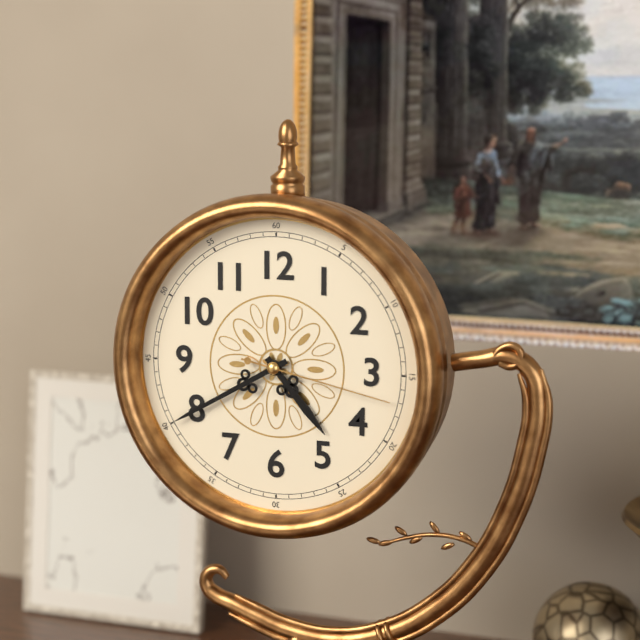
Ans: 4:40:17
